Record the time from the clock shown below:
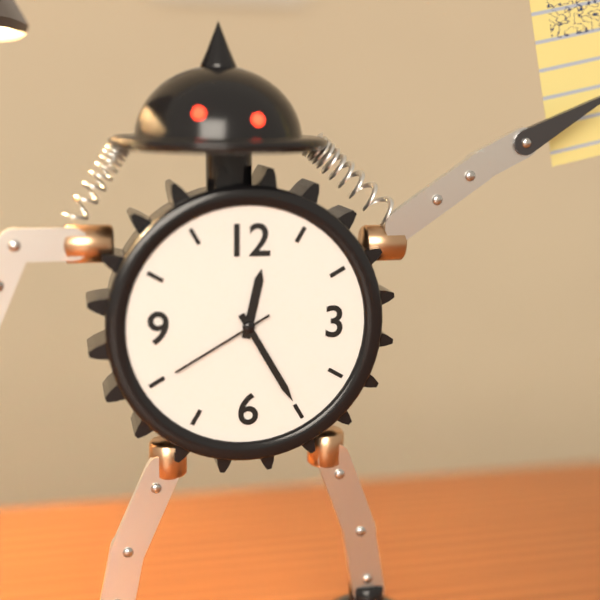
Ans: 12:25:40
